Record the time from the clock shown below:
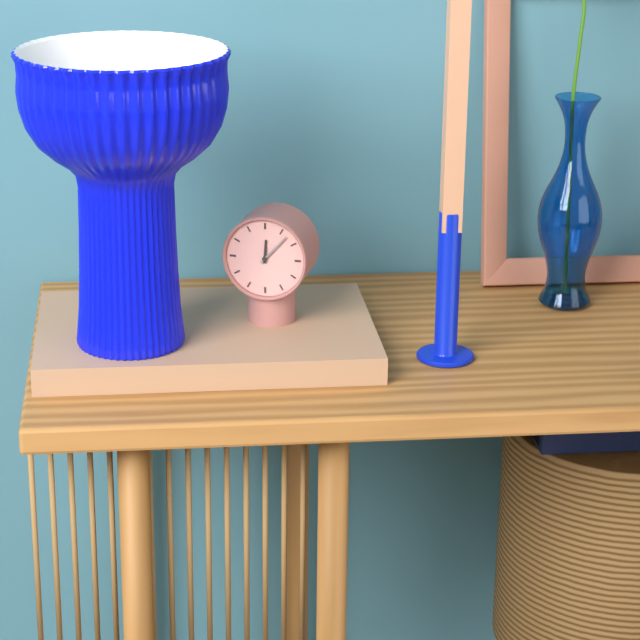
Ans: 12:07
